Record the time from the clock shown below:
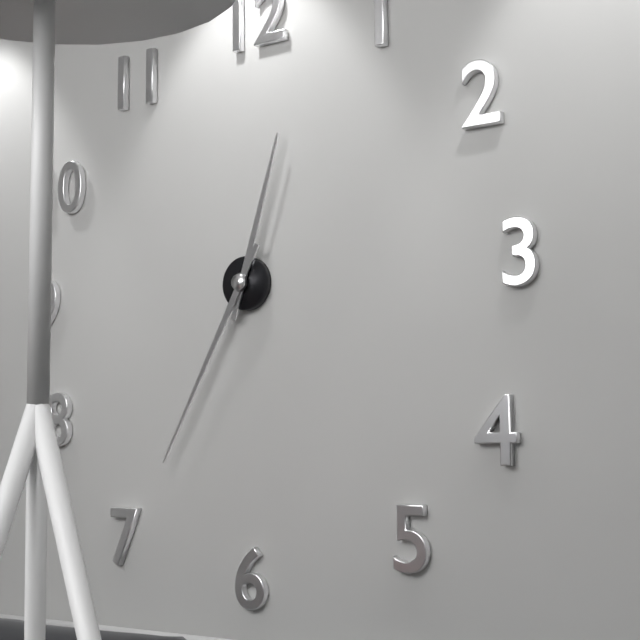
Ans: 12:35
